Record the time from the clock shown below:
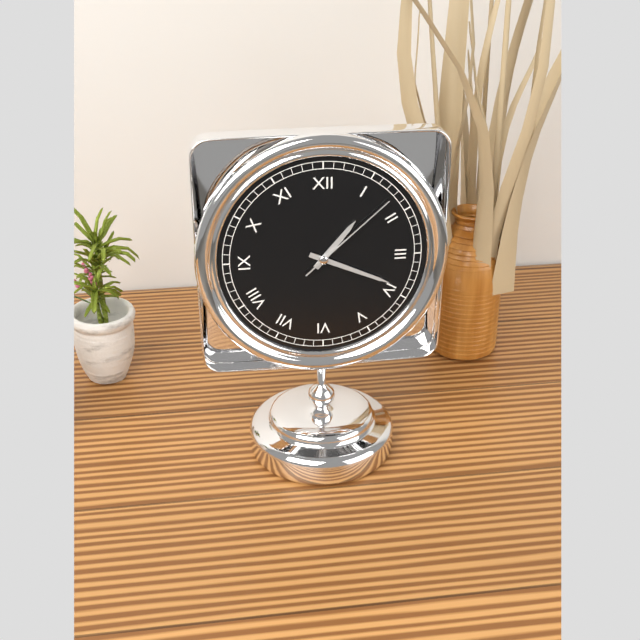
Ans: 1:19:08
